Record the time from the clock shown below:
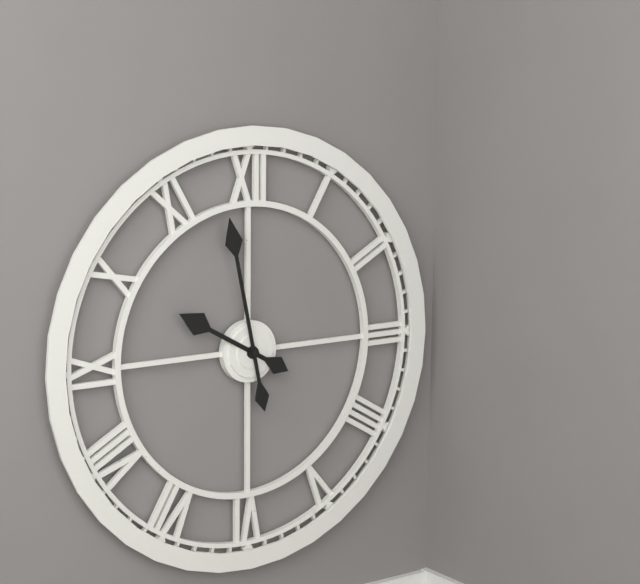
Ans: 9:58
